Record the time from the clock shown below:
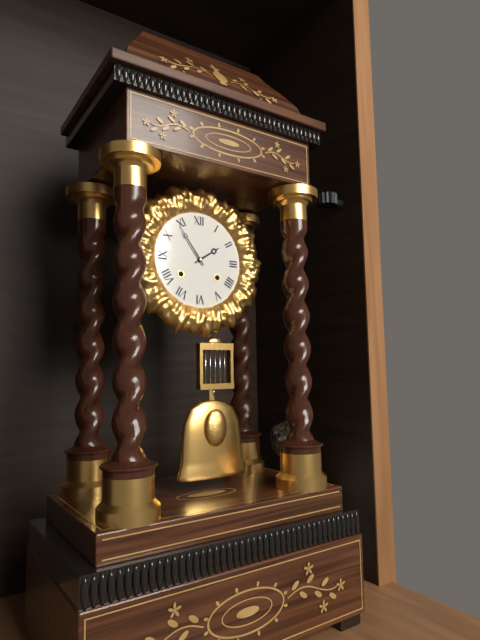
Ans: 1:54
